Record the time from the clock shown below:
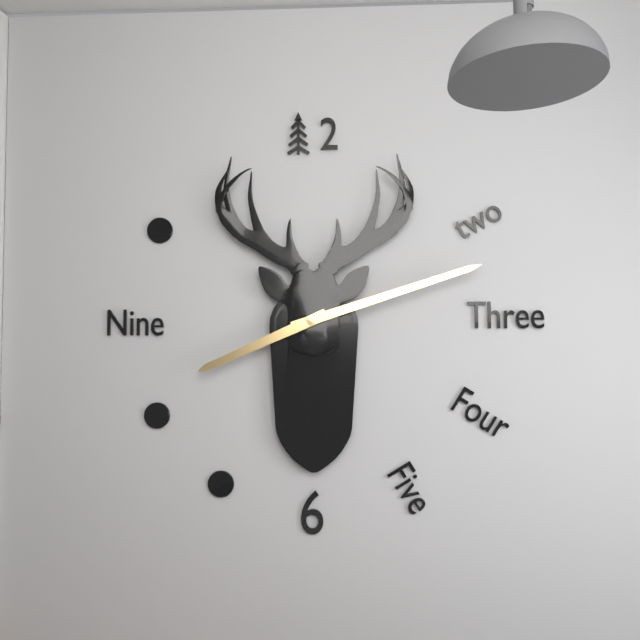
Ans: 8:12
